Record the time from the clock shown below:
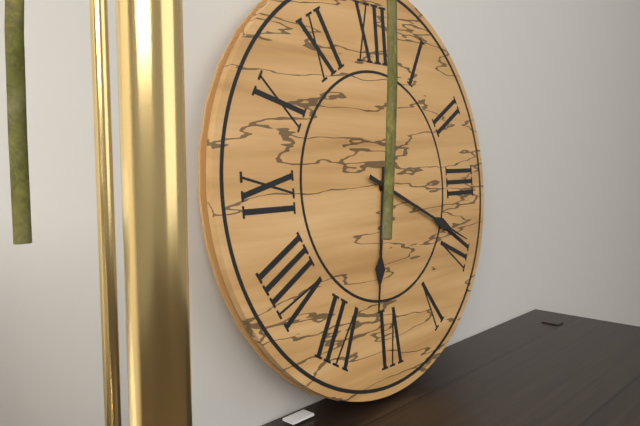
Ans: 6:19
